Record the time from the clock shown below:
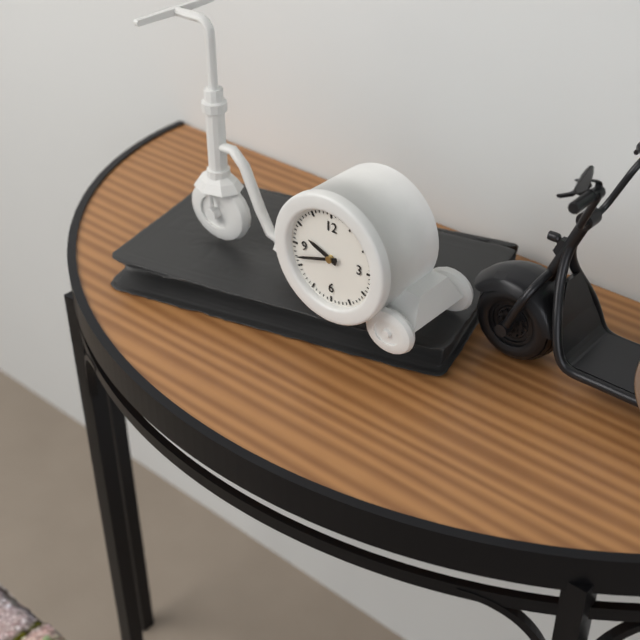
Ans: 9:42
